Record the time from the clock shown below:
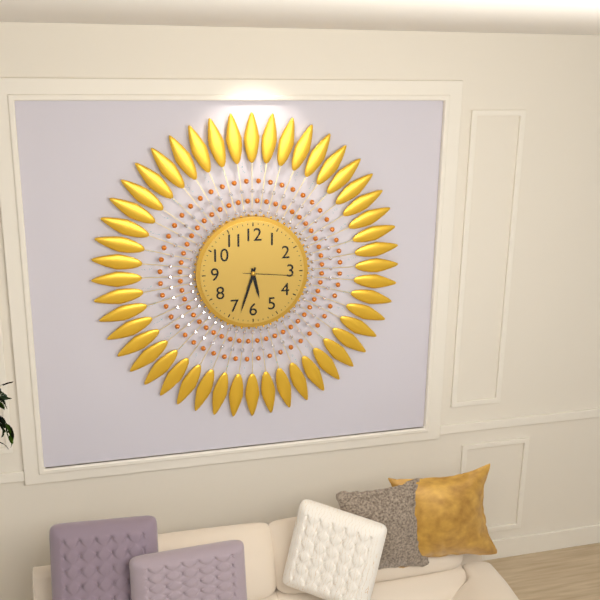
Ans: 5:33:16
